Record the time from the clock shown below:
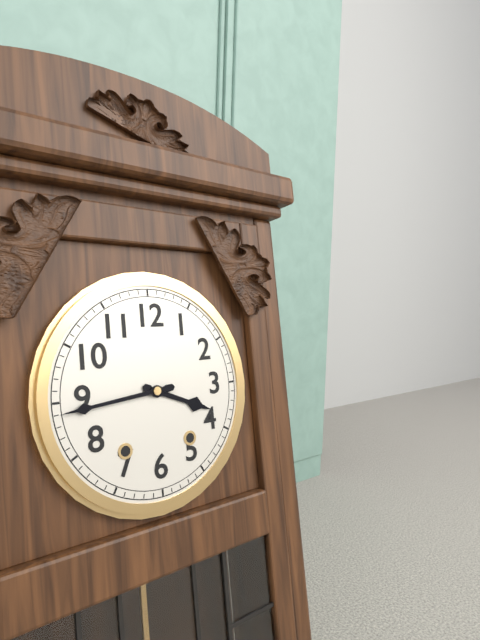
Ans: 3:44
